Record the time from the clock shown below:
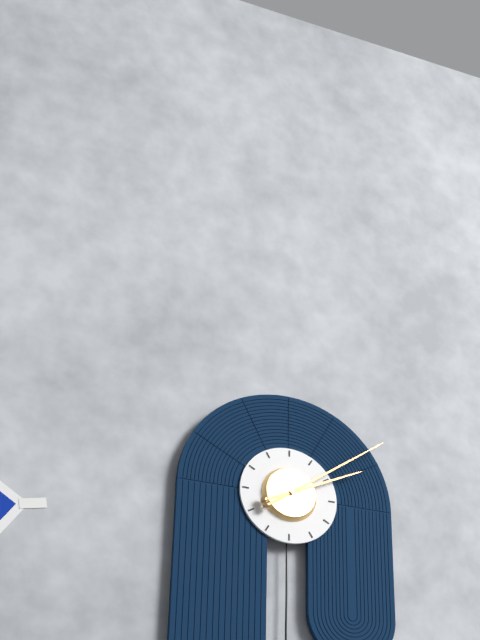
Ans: 2:09
